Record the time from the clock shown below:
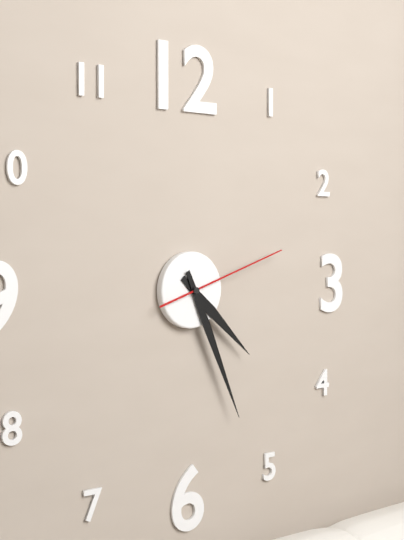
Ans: 4:26:12
